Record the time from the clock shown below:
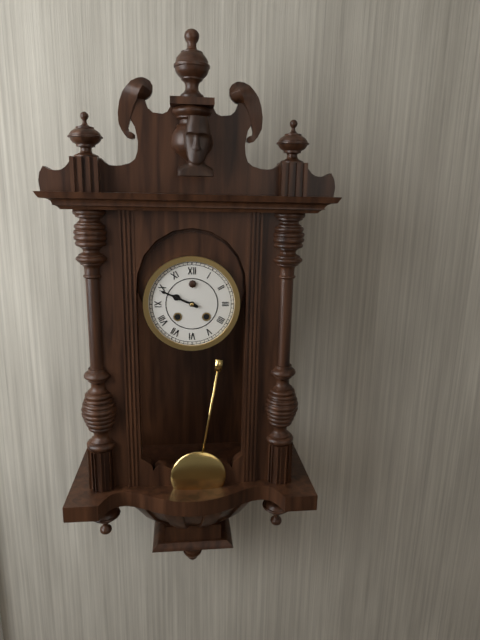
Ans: 9:49
